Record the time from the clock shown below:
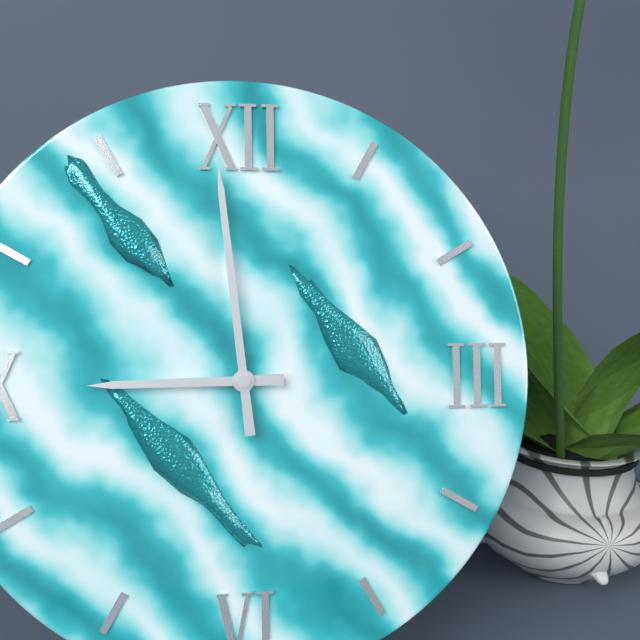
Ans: 8:59
